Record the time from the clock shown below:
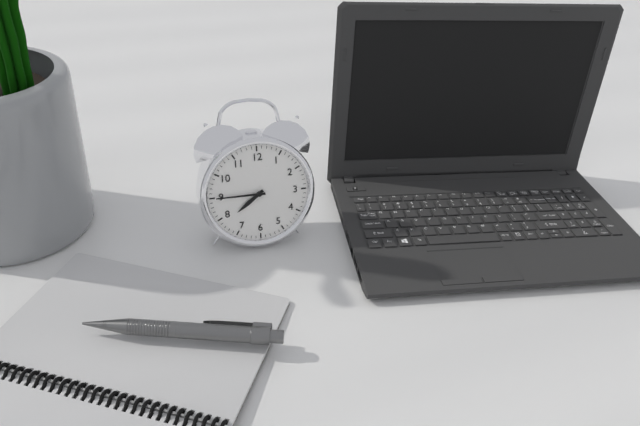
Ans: 7:45
